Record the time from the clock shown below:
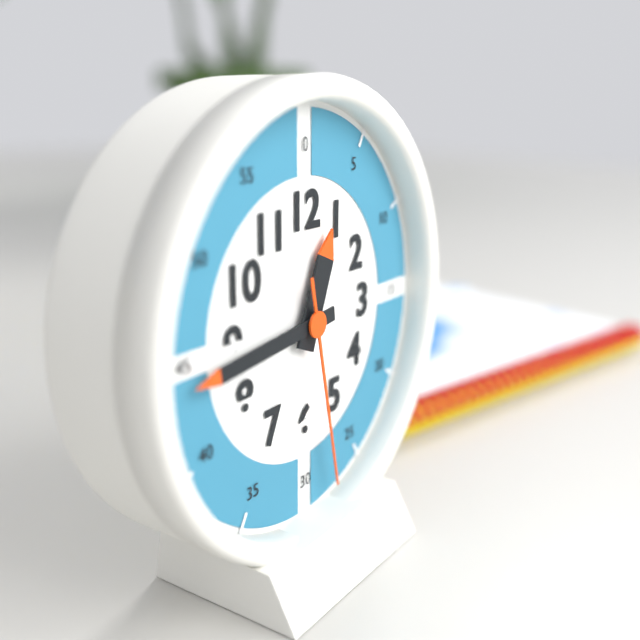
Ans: 12:44:28
